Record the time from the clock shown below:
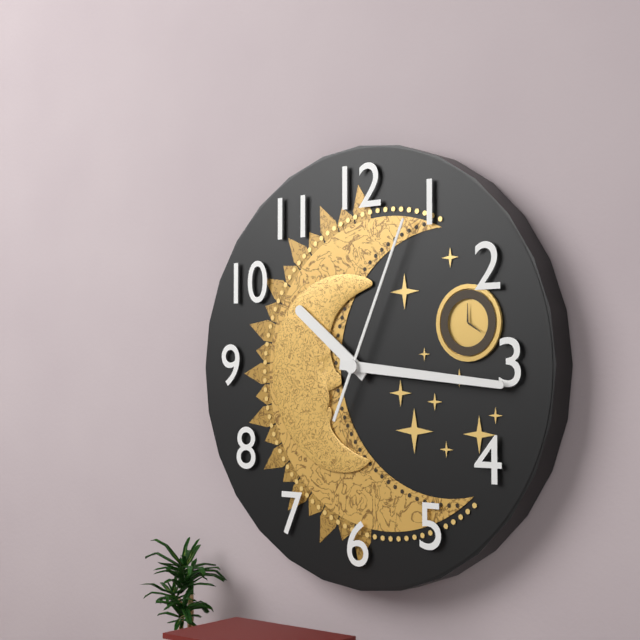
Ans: 10:16:04
